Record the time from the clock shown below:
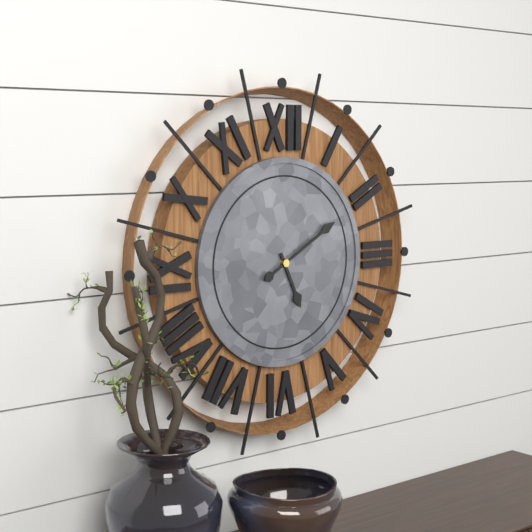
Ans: 5:10
